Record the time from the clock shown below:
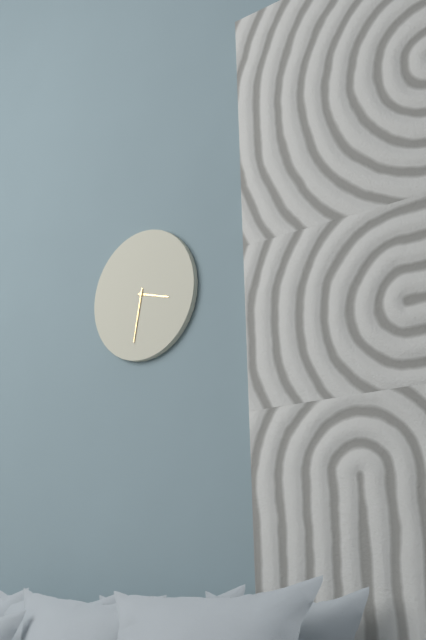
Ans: 3:32
